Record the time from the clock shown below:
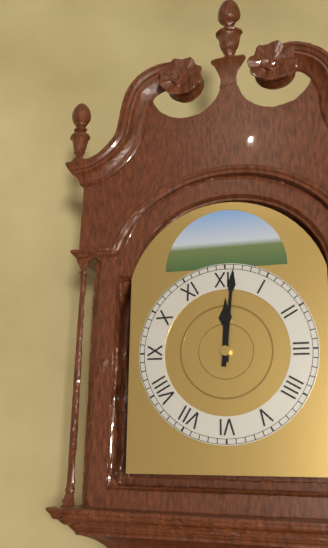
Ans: 12:01
